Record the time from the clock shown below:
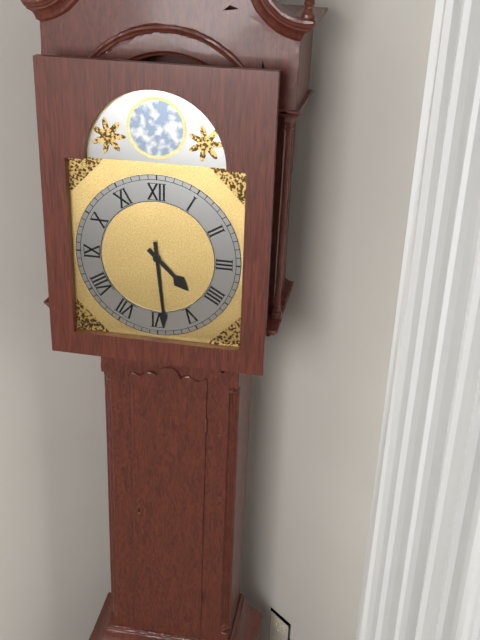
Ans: 4:29
